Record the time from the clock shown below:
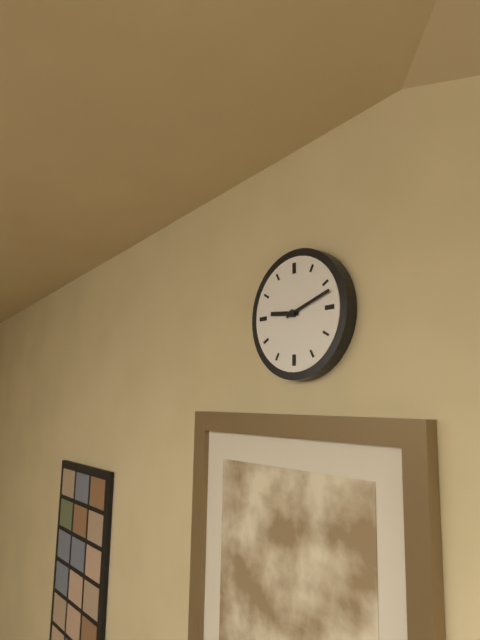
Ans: 9:12
